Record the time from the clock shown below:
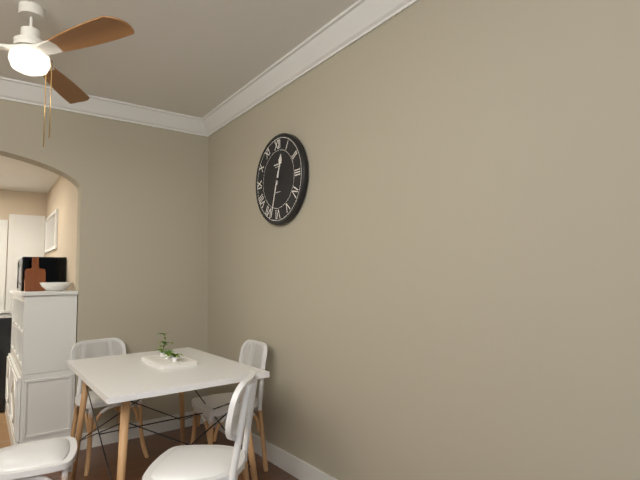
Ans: 12:33
